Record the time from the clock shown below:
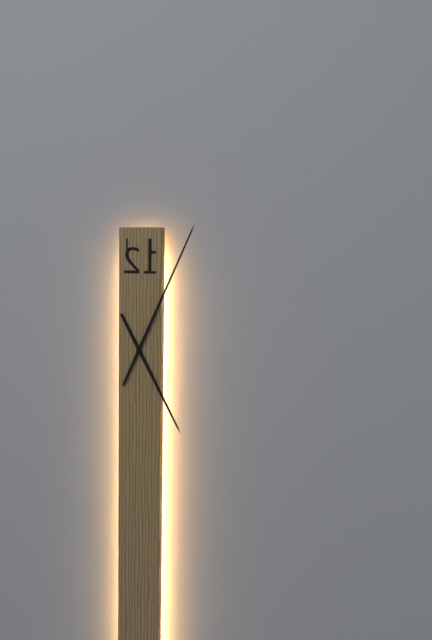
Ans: 5:04
